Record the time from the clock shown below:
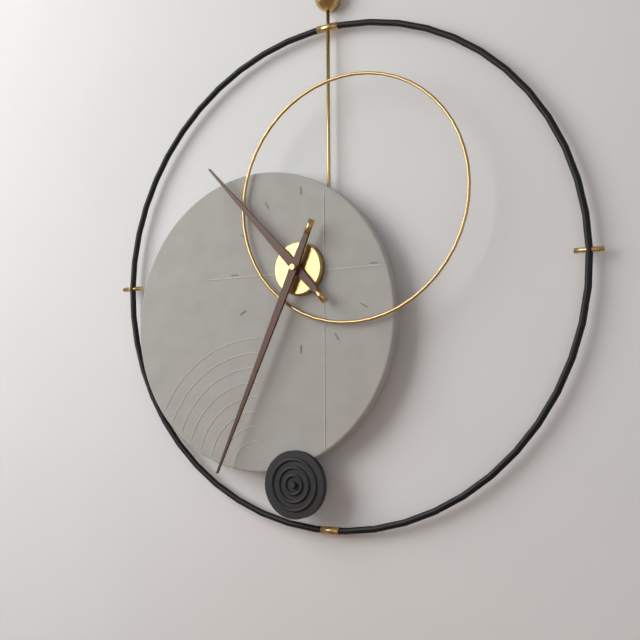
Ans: 10:34
